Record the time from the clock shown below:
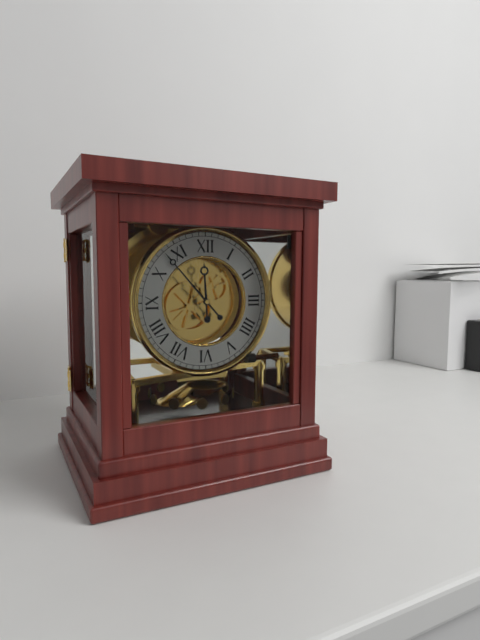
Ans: 11:53
